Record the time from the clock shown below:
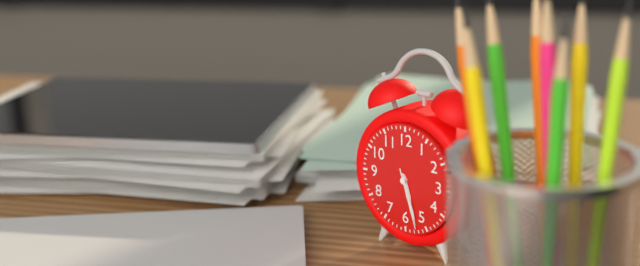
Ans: 5:27:27
